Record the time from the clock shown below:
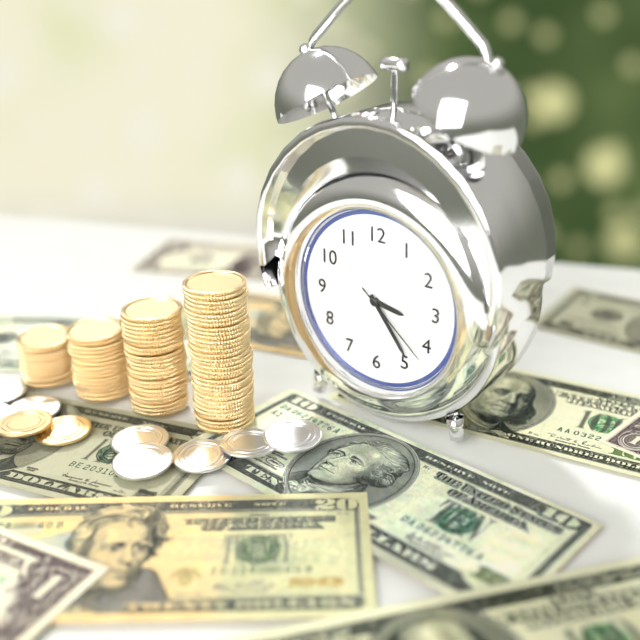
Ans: 3:24:22
